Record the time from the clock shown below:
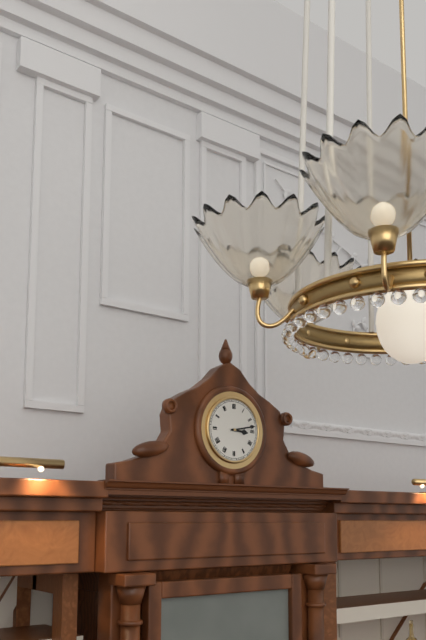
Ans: 3:13
